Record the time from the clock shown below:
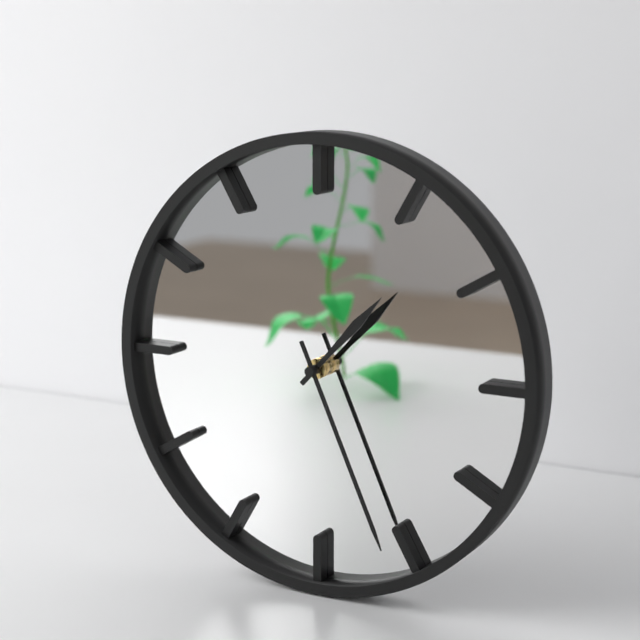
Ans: 1:26
